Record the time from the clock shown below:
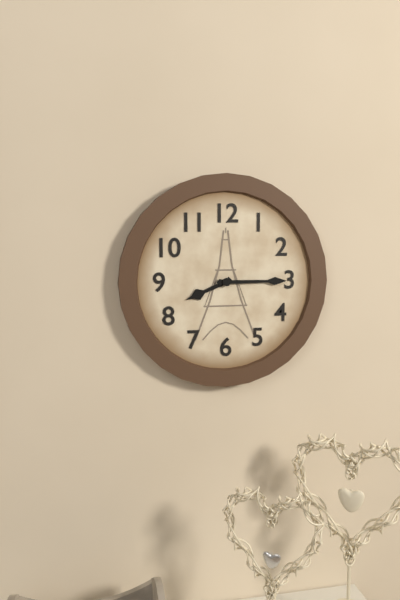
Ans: 8:15
